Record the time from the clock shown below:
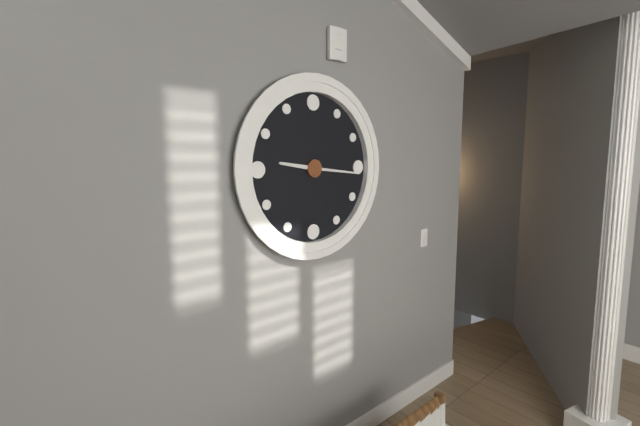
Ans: 9:16
